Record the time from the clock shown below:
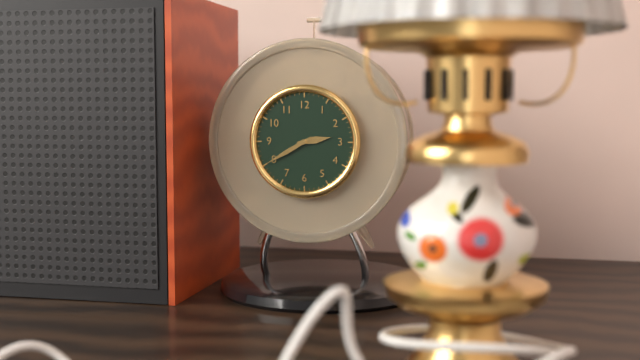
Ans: 2:40
